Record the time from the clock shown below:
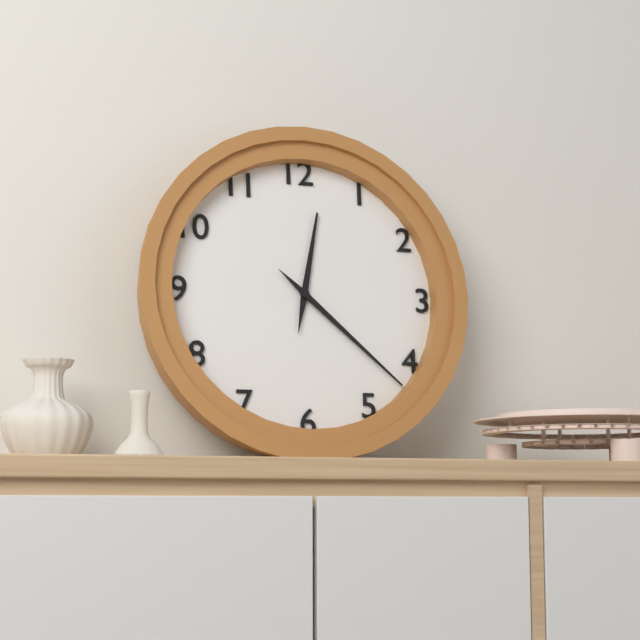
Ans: 12:22
